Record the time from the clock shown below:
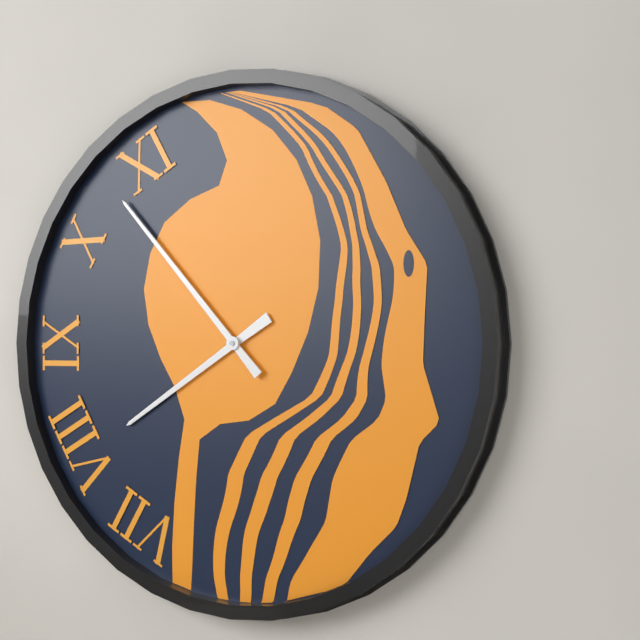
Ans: 7:53
